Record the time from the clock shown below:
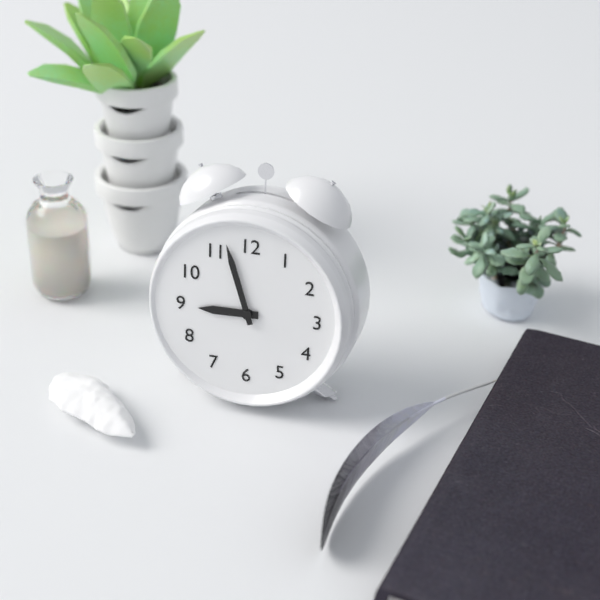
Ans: 8:57
